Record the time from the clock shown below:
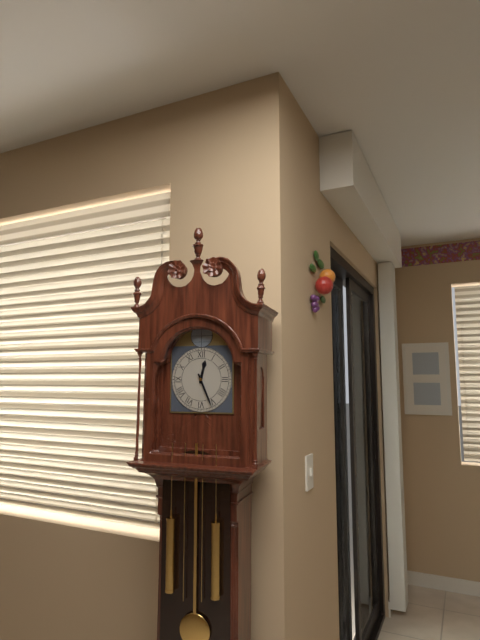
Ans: 12:26
